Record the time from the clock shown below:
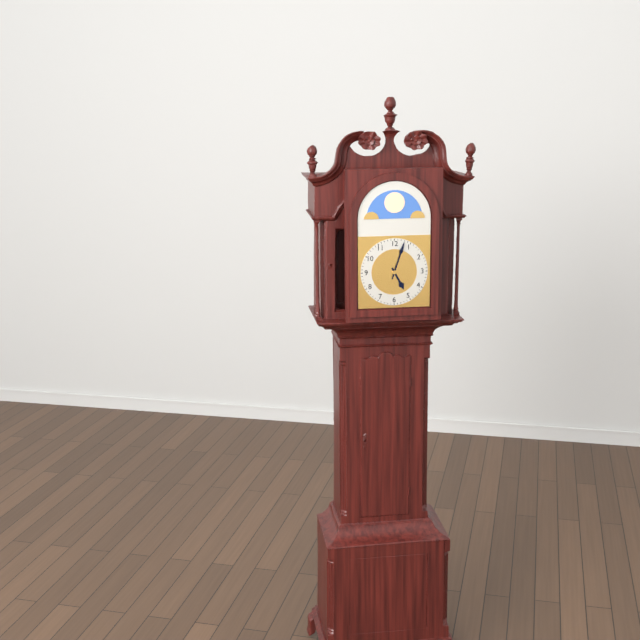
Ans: 5:03
